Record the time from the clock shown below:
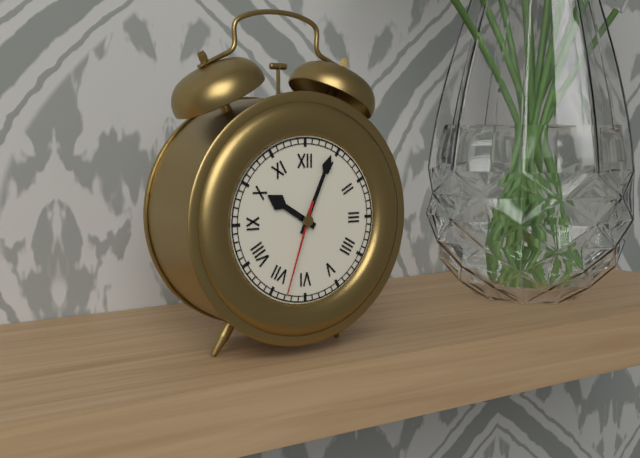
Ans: 10:04:33
